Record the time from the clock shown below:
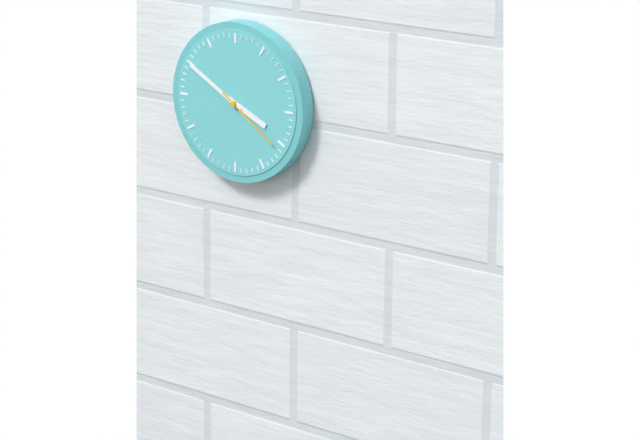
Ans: 3:50:21
